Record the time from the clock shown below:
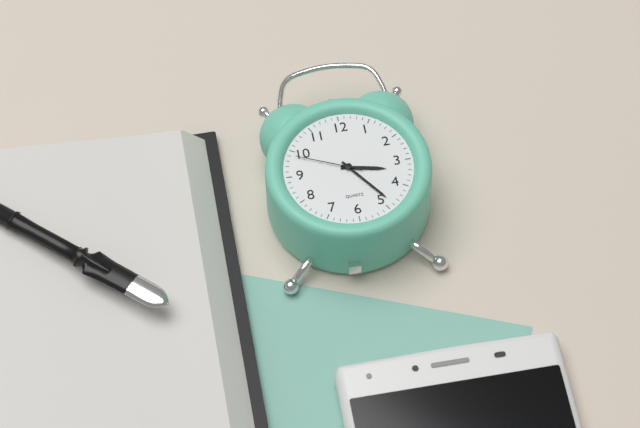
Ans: 3:24:49
